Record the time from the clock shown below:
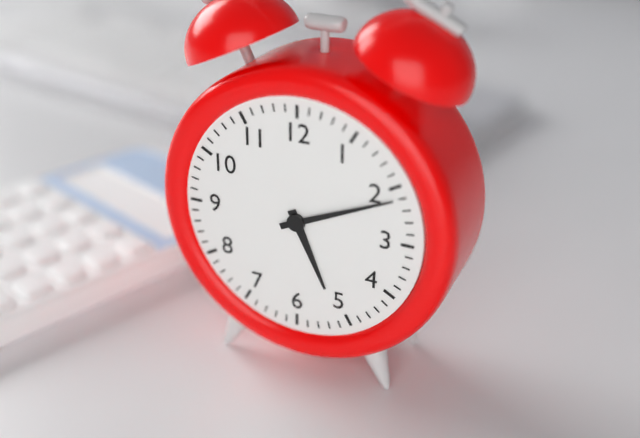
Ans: 5:11
